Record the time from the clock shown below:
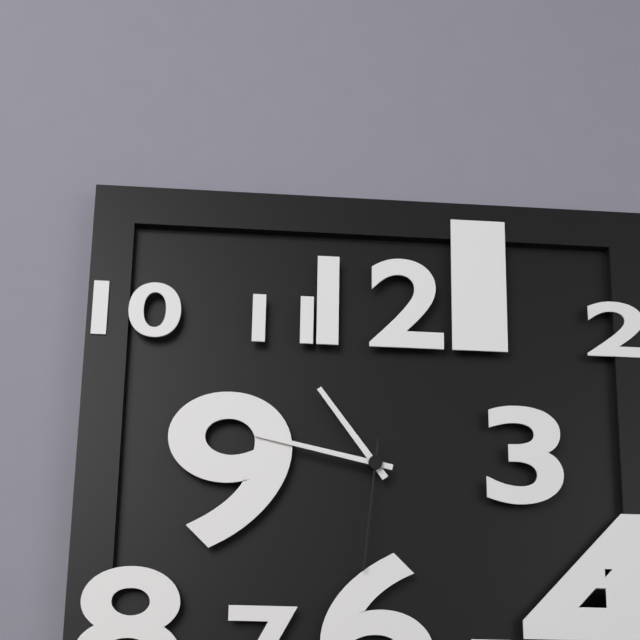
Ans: 10:47:31
